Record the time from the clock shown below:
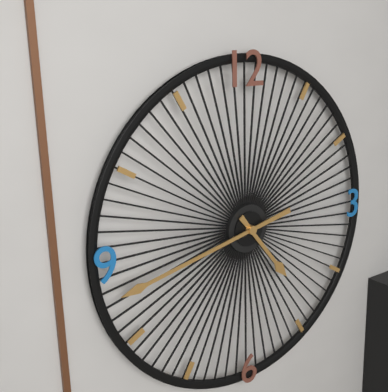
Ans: 4:43
